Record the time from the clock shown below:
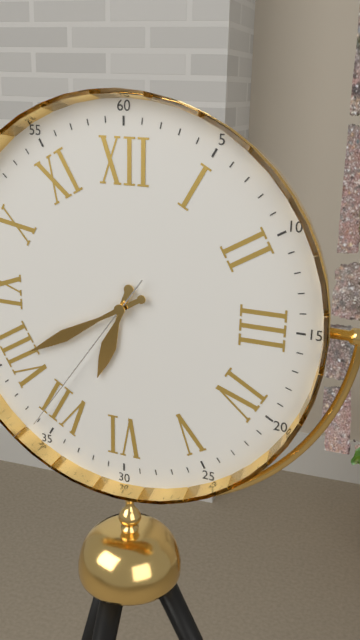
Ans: 6:40:36
